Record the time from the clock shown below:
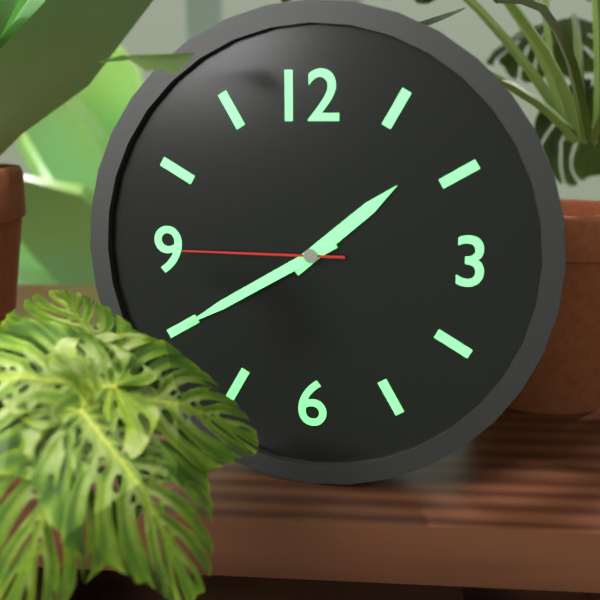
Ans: 1:40:45
